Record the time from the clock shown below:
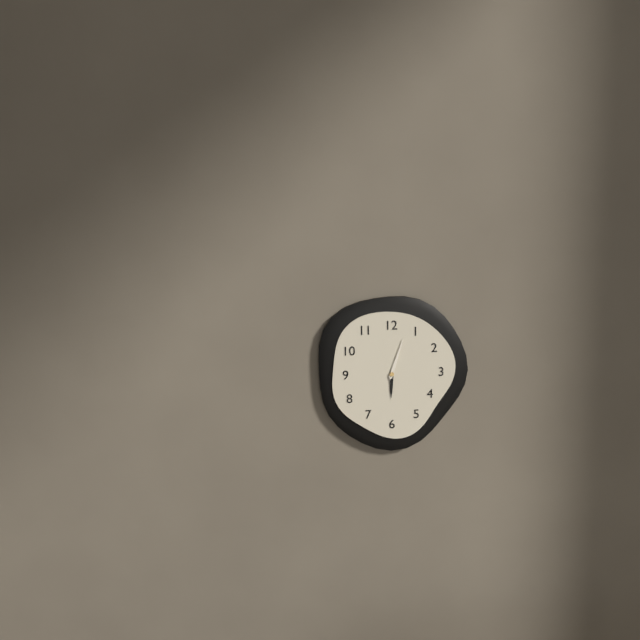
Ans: 6:03
